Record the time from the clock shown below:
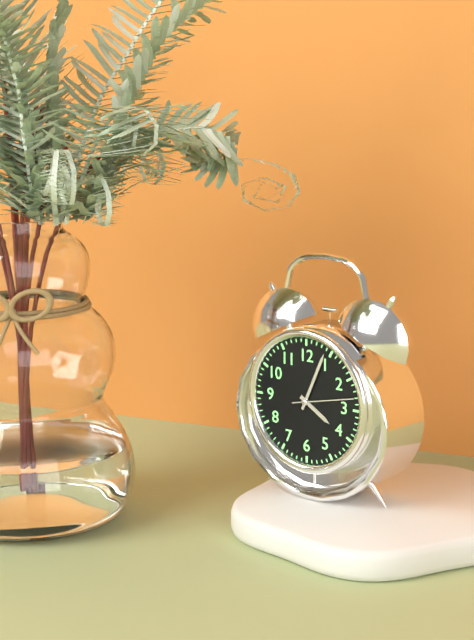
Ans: 4:04:13
